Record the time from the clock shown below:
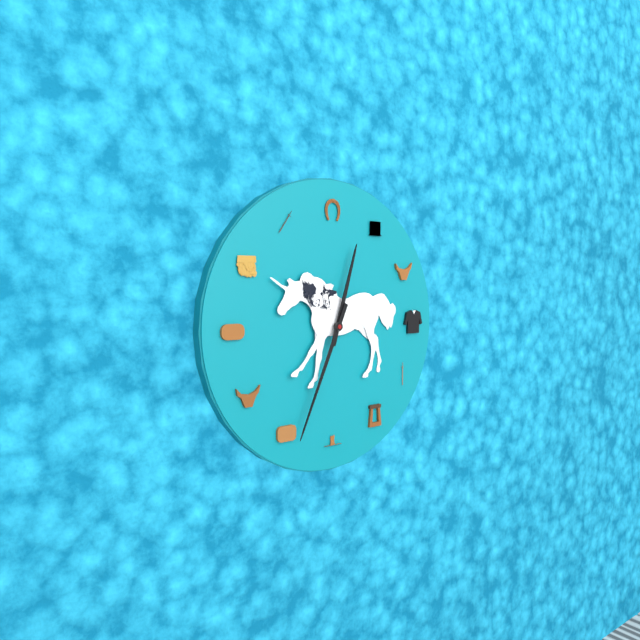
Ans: 12:34
